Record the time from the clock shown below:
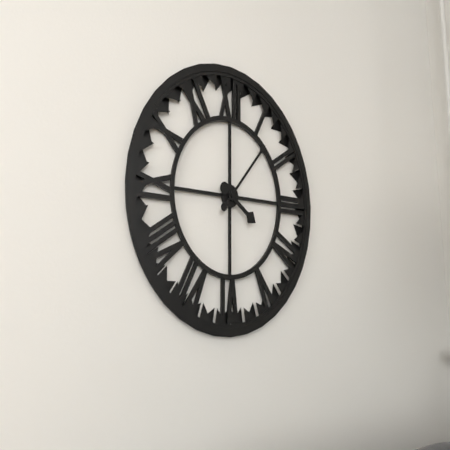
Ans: 4:07
